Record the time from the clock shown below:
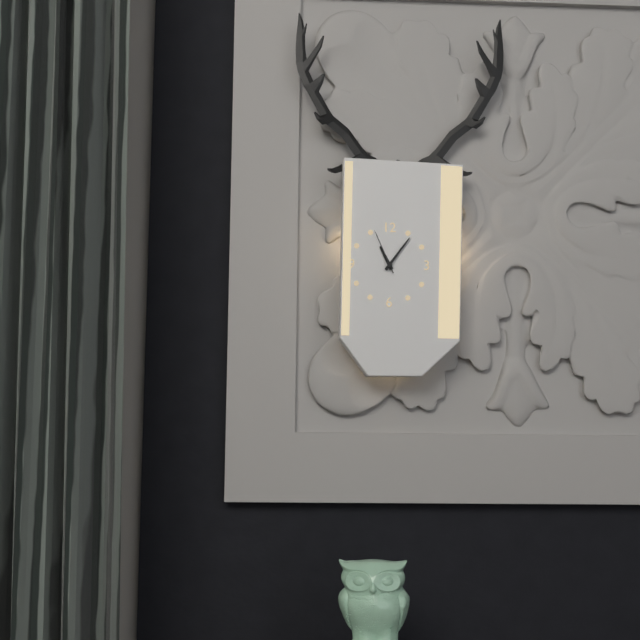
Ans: 11:06
